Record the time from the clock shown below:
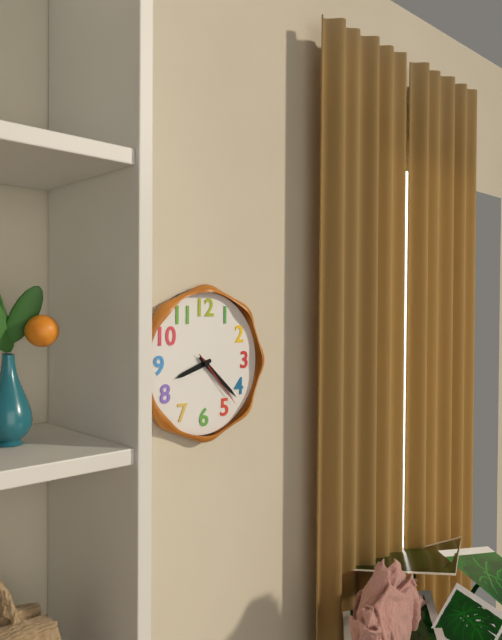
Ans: 8:22:23
